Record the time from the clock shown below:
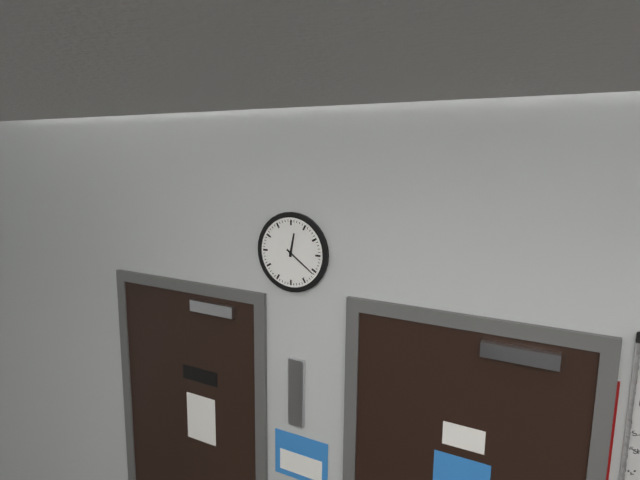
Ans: 12:21
